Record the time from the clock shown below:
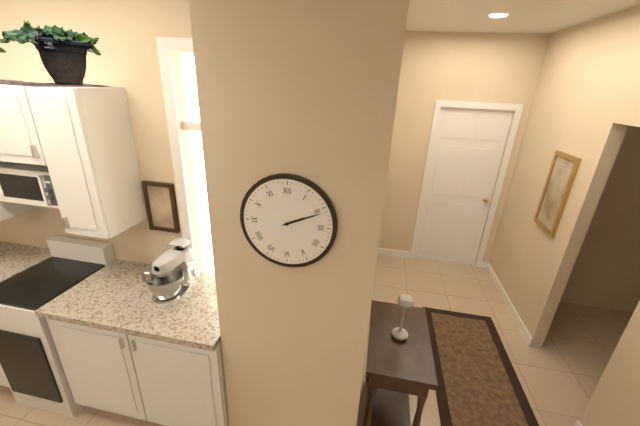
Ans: 2:11
